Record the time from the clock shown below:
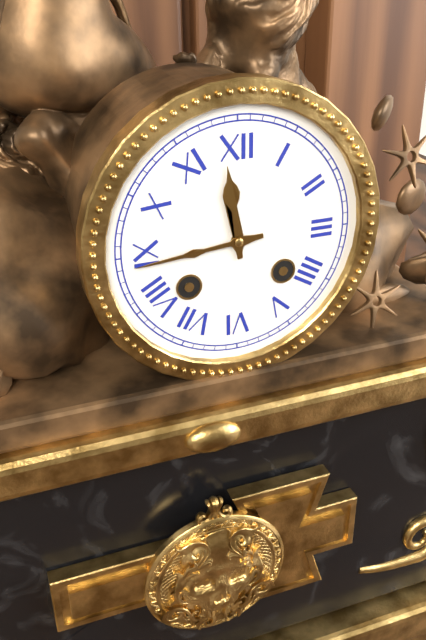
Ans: 11:44
